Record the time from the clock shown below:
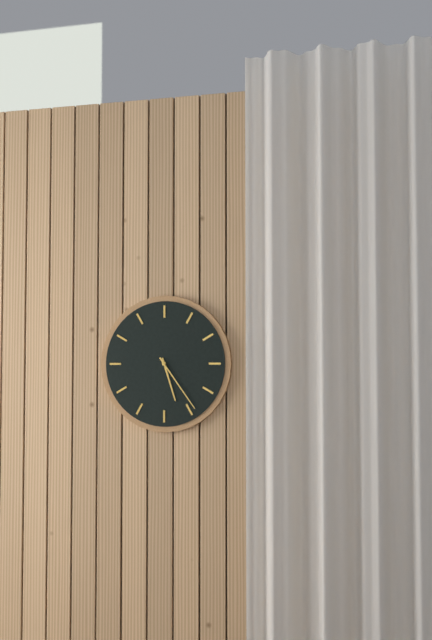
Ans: 5:24
